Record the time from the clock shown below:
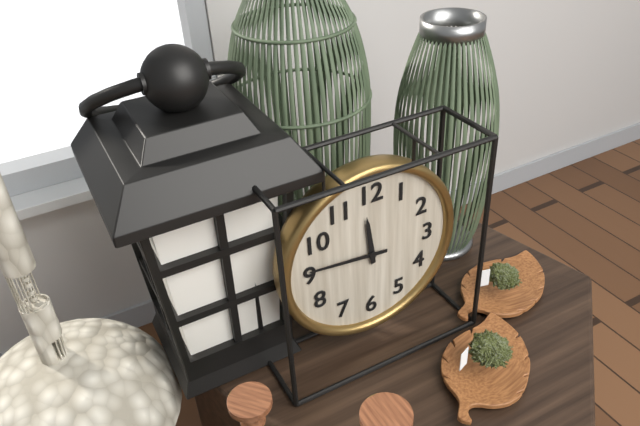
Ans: 11:46
